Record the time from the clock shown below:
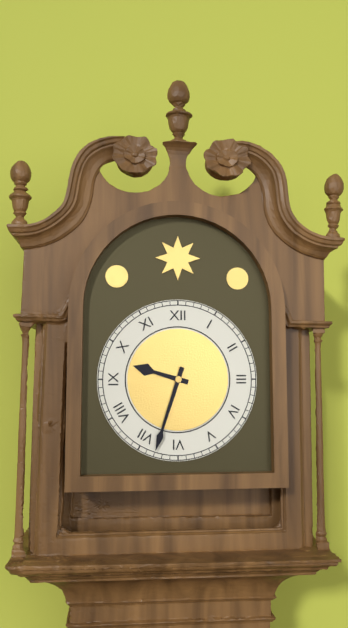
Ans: 9:33
